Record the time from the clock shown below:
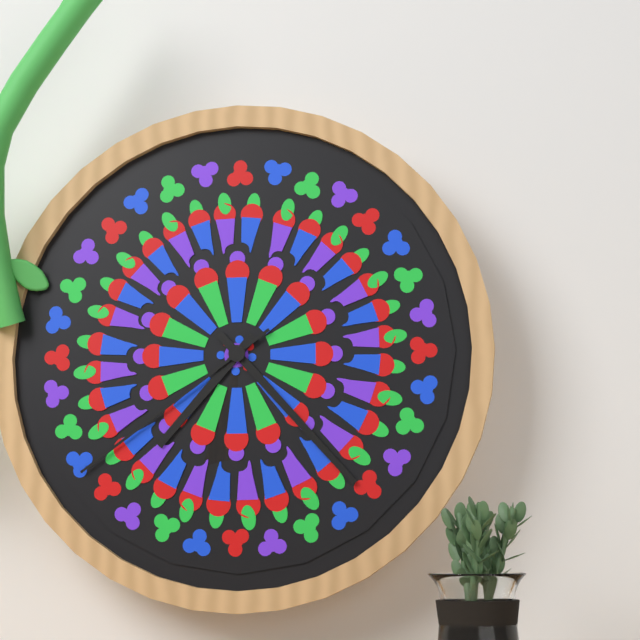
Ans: 7:23:39
